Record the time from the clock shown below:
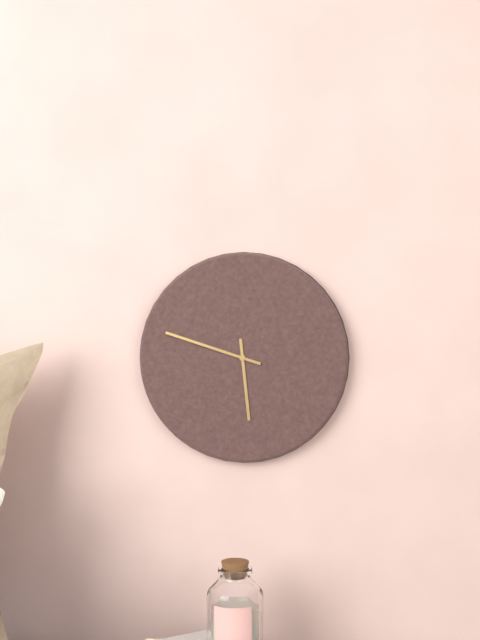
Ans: 5:48
